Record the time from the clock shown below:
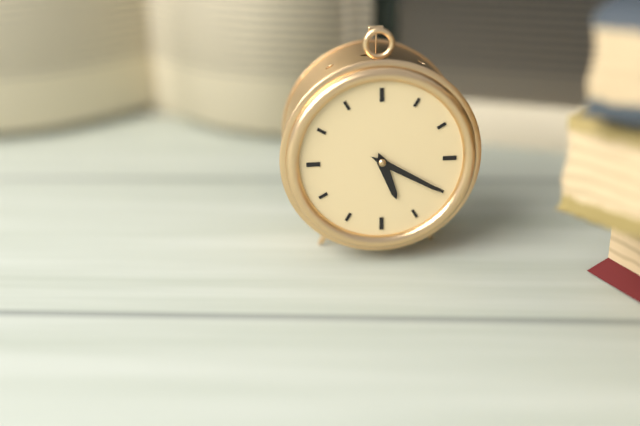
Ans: 5:20
